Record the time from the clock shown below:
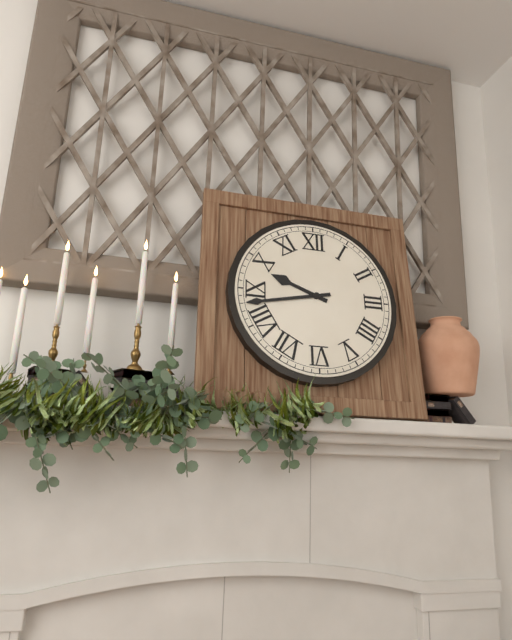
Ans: 9:43
